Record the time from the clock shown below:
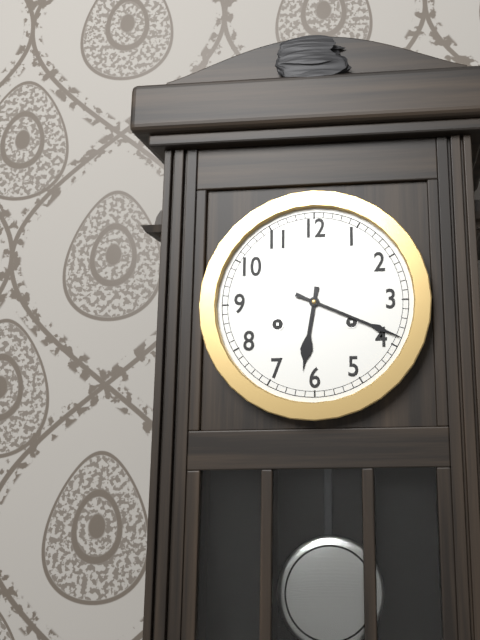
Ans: 6:19
